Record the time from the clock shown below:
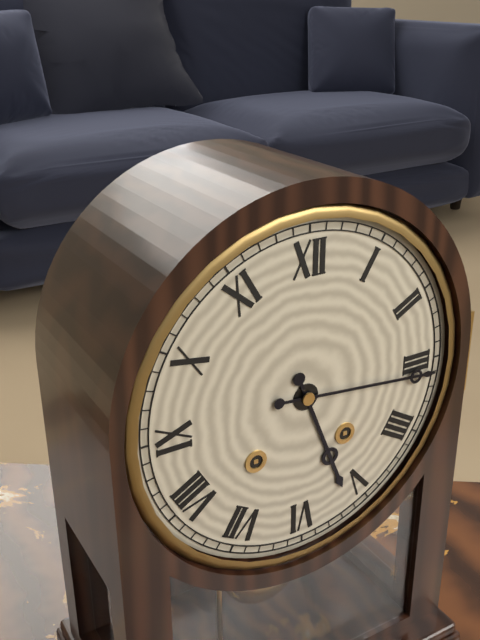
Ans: 5:16
